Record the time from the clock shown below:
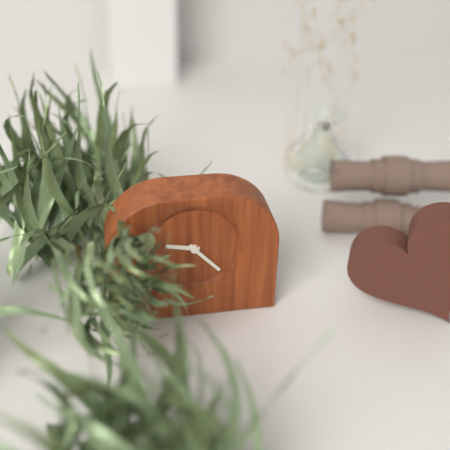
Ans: 9:23
